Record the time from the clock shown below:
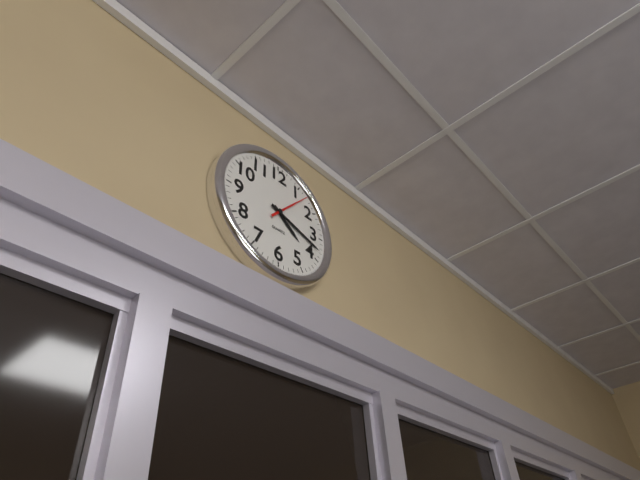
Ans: 4:18
